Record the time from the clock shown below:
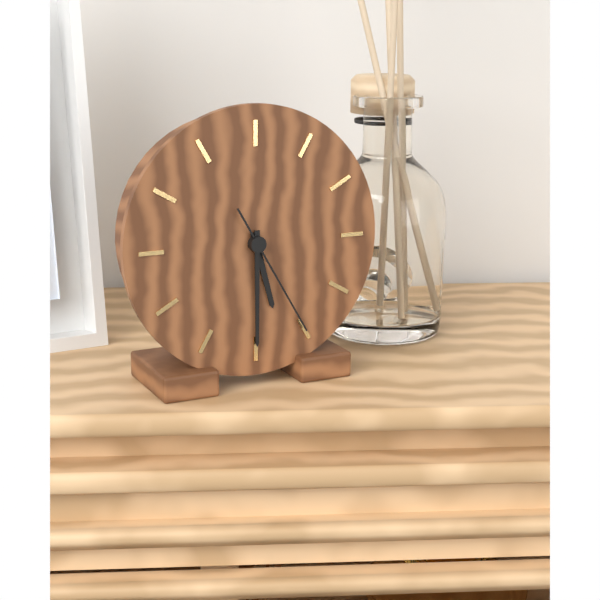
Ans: 5:30:25
